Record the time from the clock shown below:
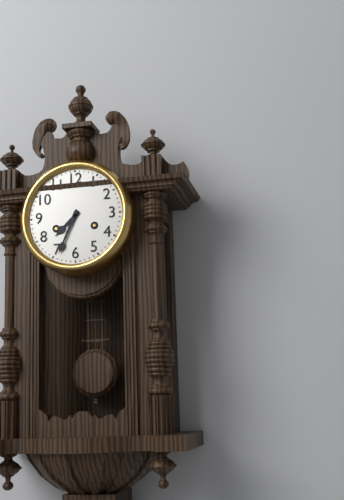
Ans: 7:34
